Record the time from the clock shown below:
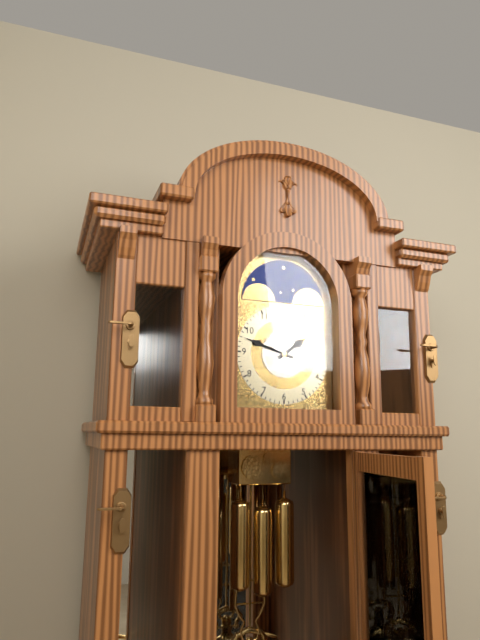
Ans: 1:48
